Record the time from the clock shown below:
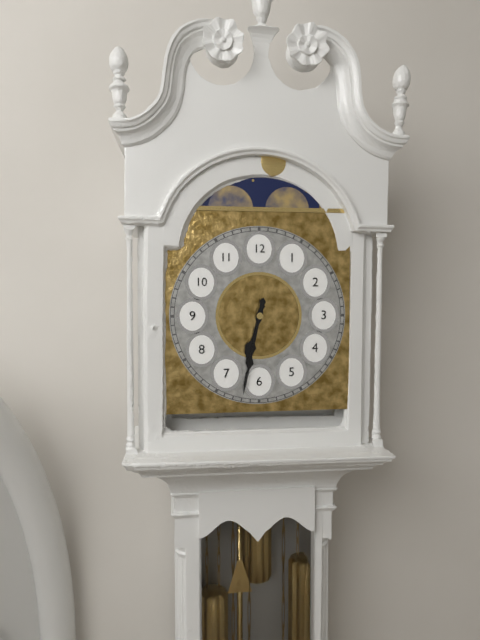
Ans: 6:32
